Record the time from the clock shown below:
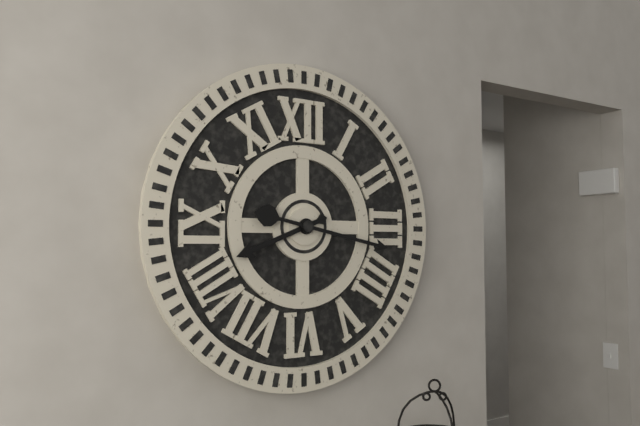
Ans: 8:17
